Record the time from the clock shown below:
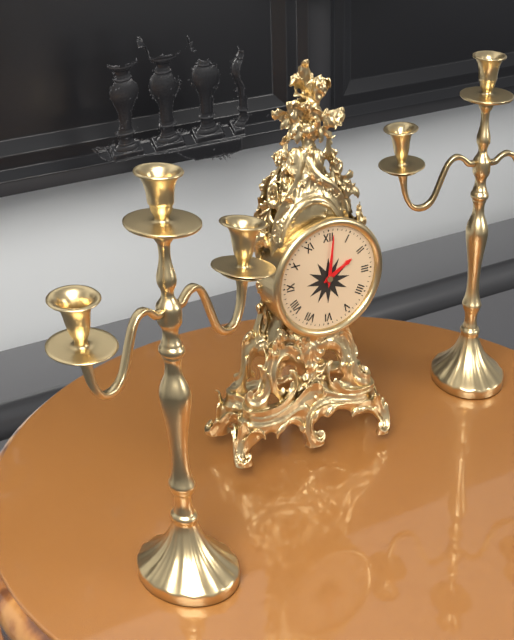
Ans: 2:01
